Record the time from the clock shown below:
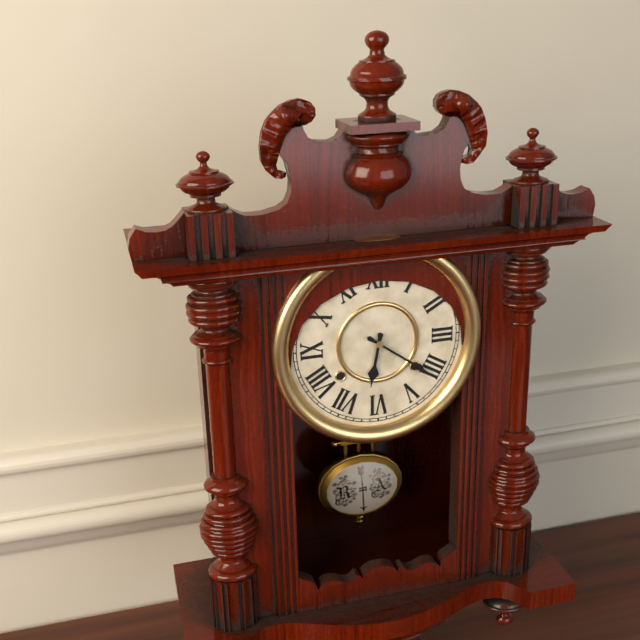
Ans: 6:21
